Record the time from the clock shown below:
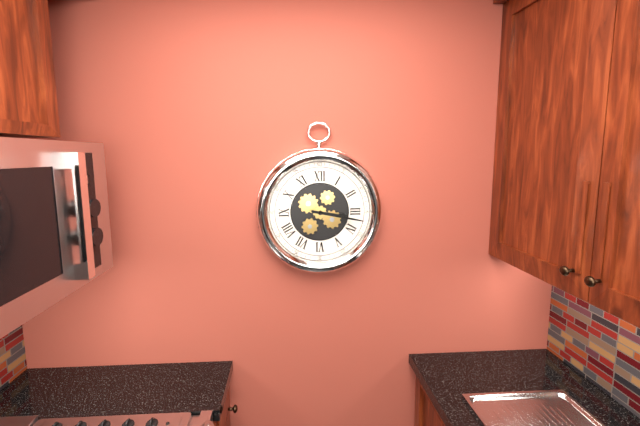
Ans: 3:17
